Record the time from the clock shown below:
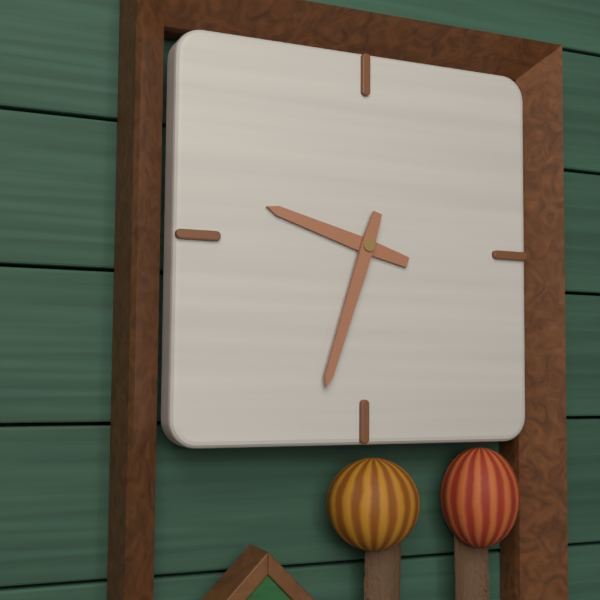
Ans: 9:33
